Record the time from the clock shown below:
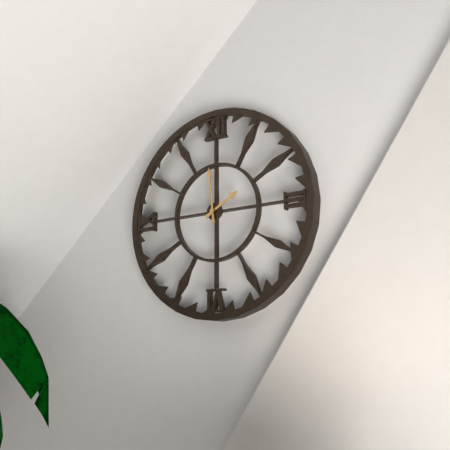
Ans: 1:59
